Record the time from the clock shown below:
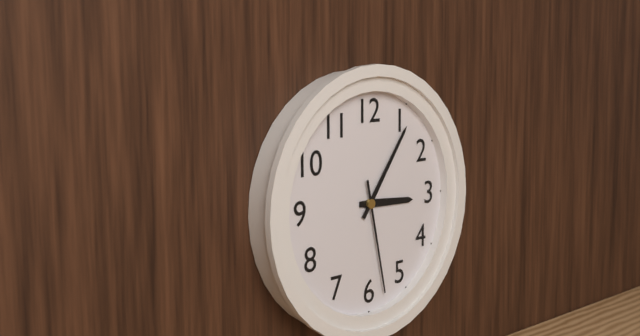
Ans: 3:06:28
